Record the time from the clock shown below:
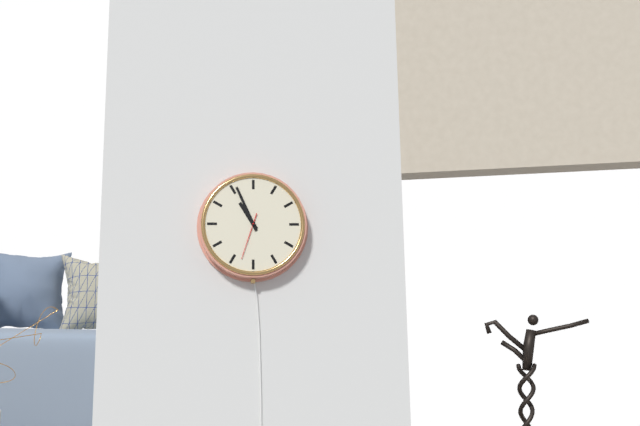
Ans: 10:56
